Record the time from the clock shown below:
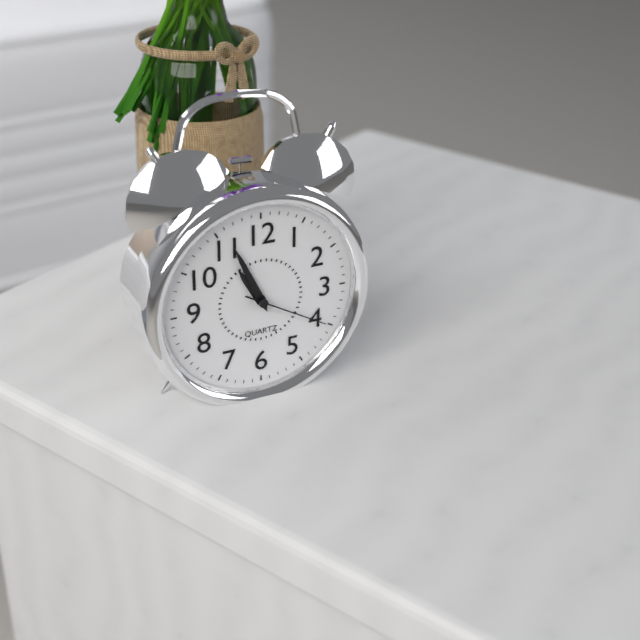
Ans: 10:56:20
